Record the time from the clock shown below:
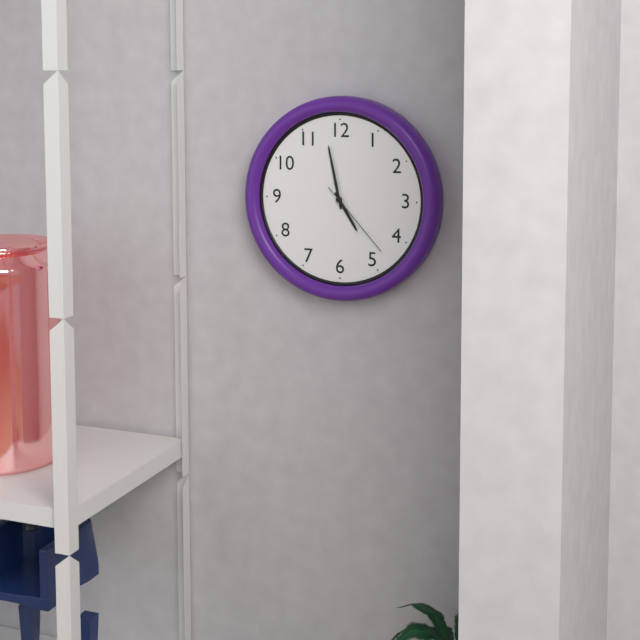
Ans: 4:58:23
